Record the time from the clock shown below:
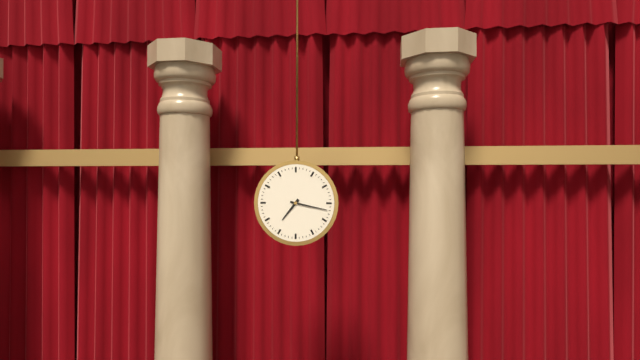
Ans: 7:17
